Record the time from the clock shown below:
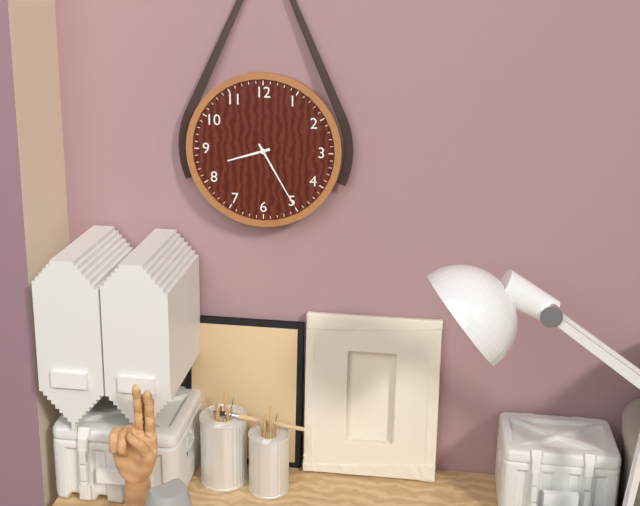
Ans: 8:25
